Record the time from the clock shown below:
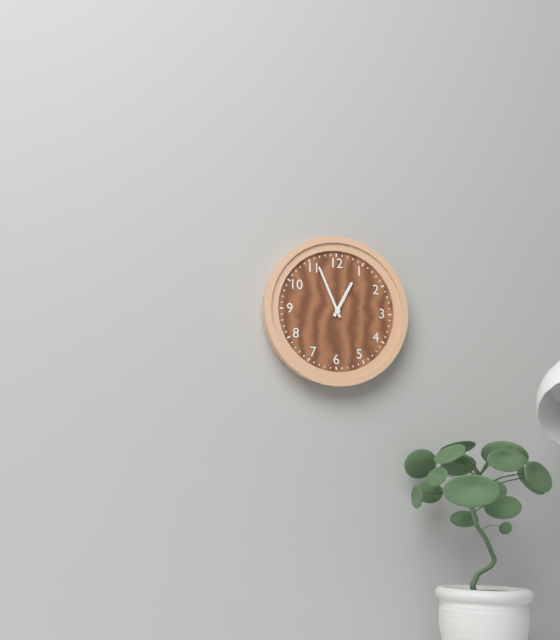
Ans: 12:56
